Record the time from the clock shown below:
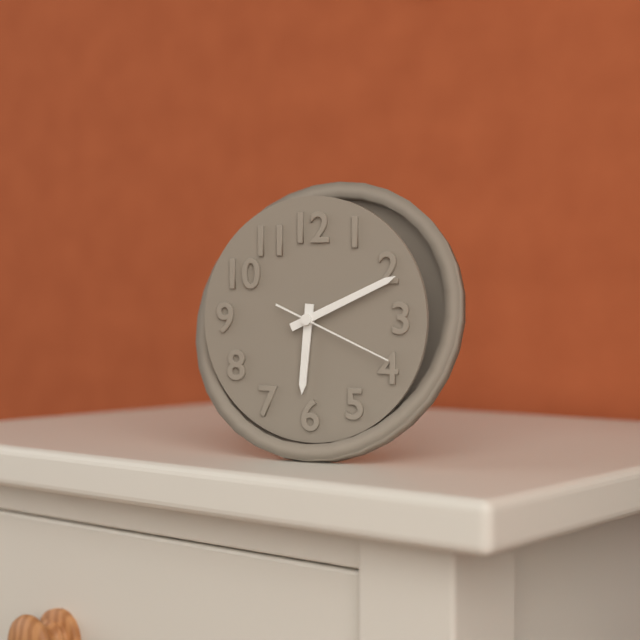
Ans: 6:11:19
